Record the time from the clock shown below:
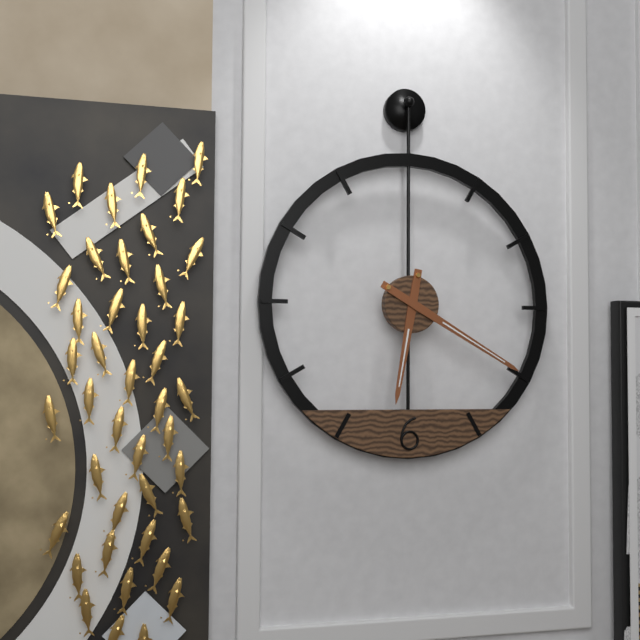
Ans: 6:20
